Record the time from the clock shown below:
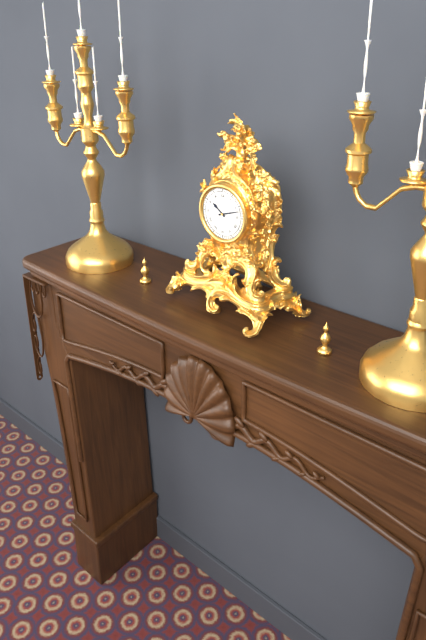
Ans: 10:12
